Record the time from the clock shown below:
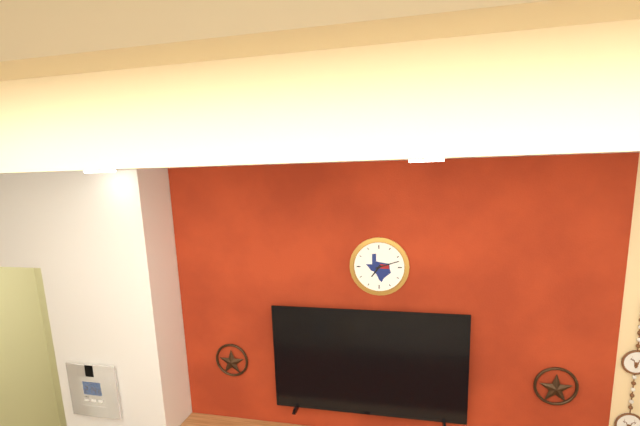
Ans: 7:12
